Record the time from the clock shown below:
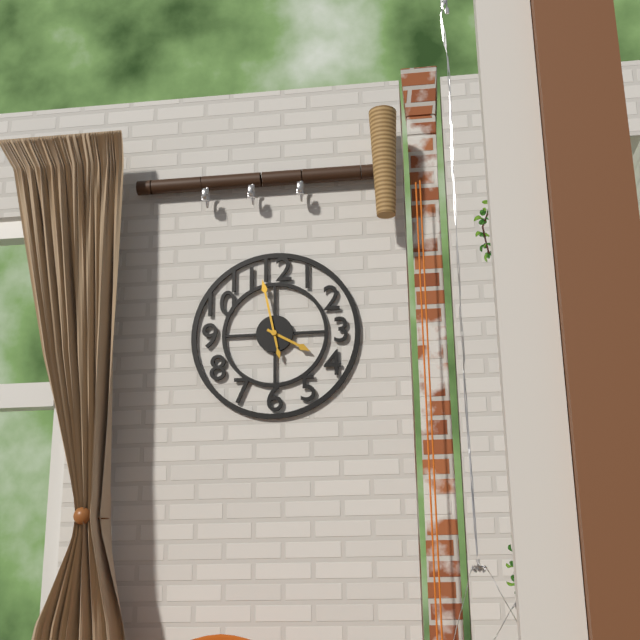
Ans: 3:58
